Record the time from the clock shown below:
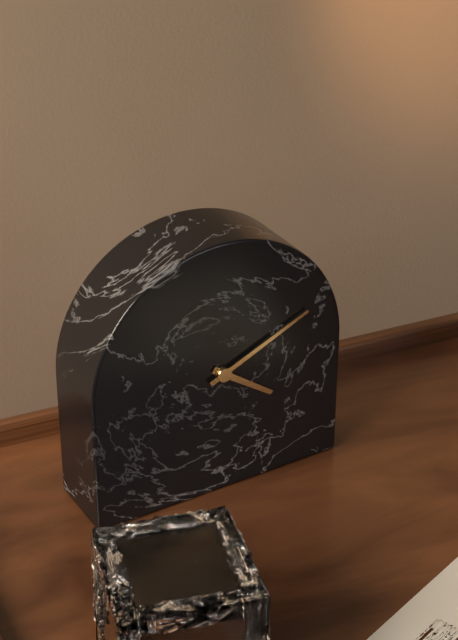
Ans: 4:11
